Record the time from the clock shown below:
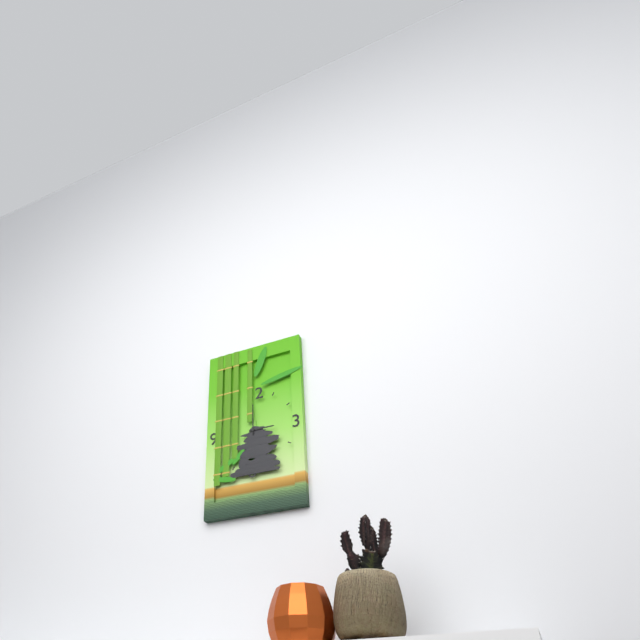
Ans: 3:00
